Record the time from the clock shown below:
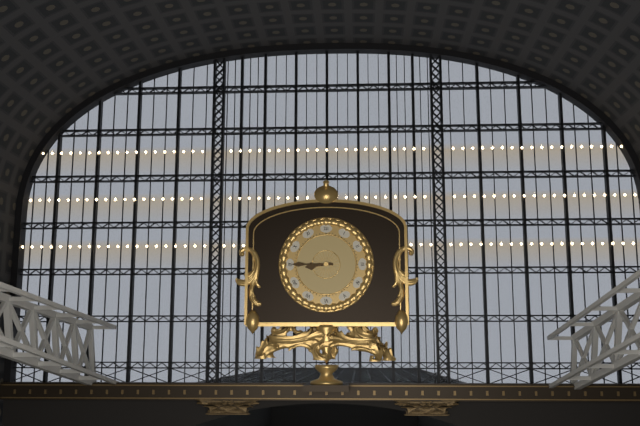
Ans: 8:45
